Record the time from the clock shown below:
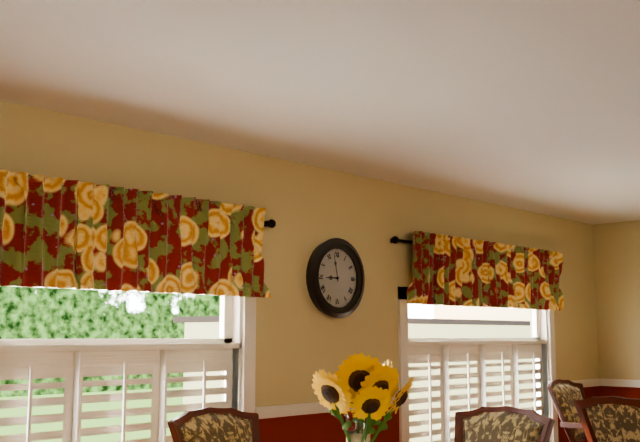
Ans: 8:58
